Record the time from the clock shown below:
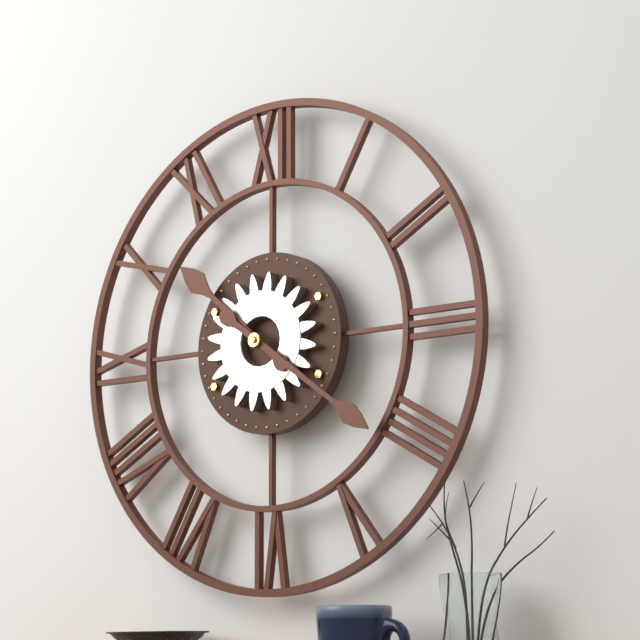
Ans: 10:21
